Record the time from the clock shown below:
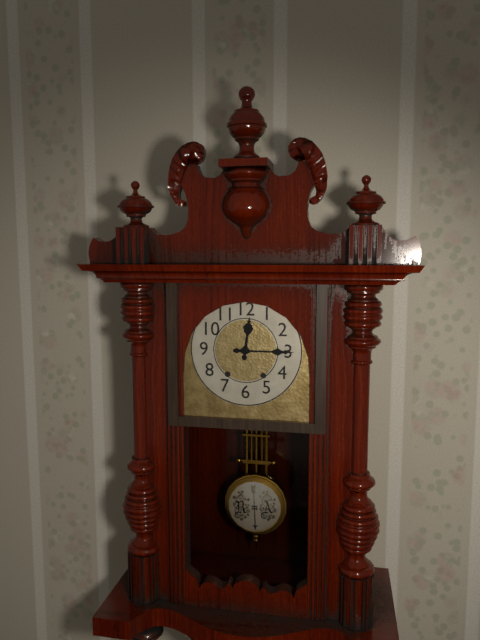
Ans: 12:15
